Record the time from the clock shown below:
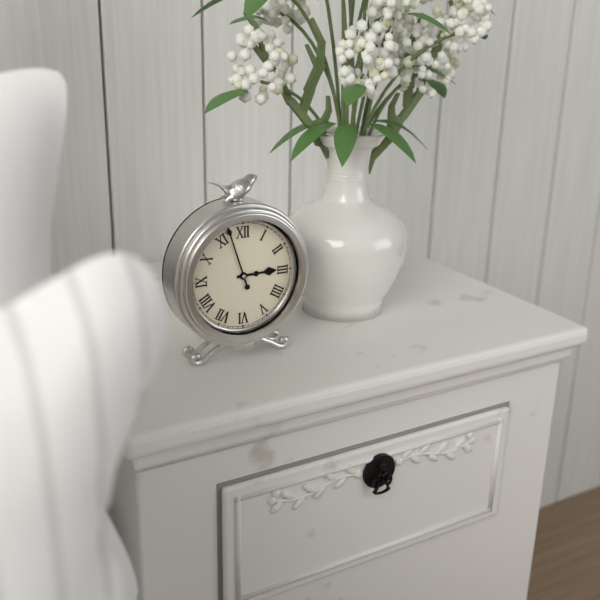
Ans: 2:57
